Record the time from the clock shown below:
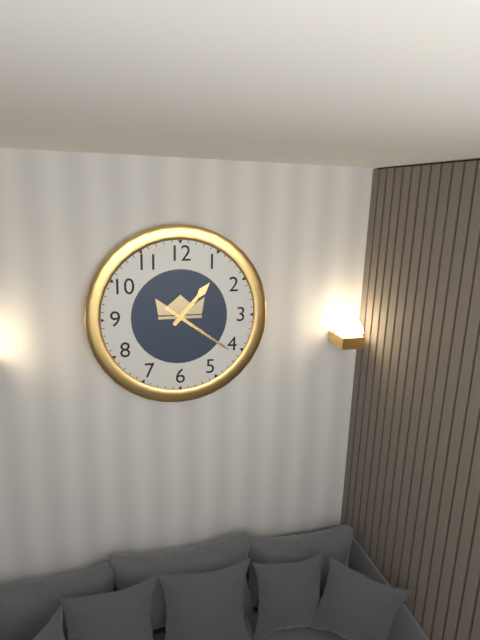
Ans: 1:21
